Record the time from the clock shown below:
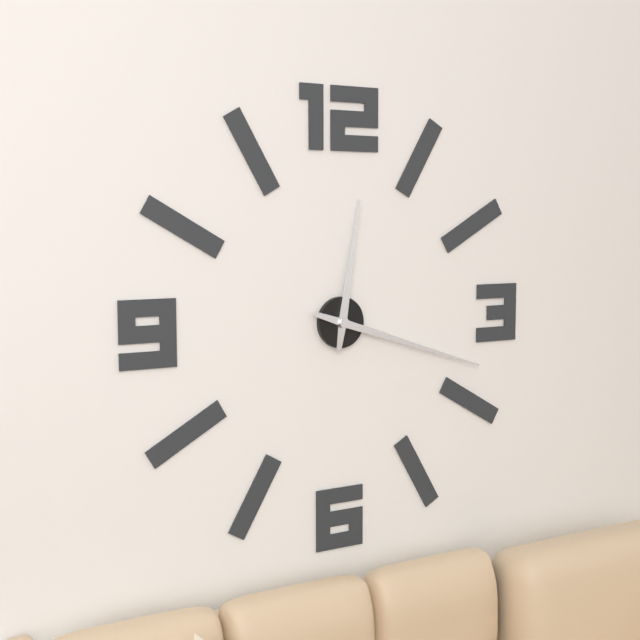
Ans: 12:18
